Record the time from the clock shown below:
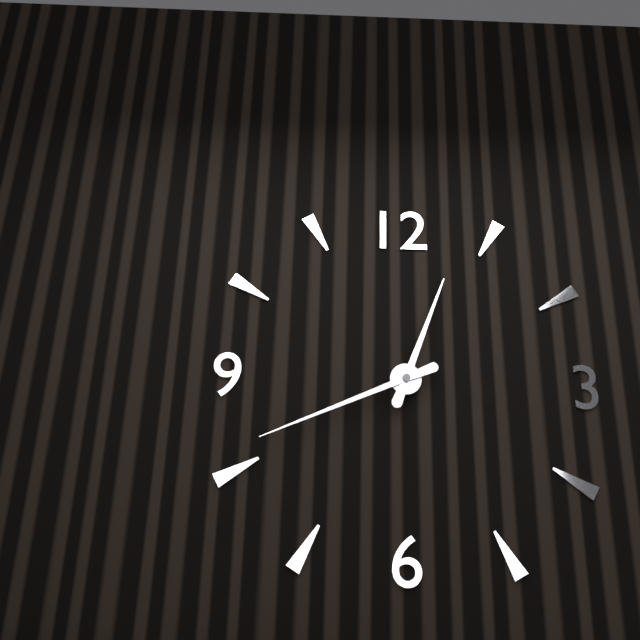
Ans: 12:41
